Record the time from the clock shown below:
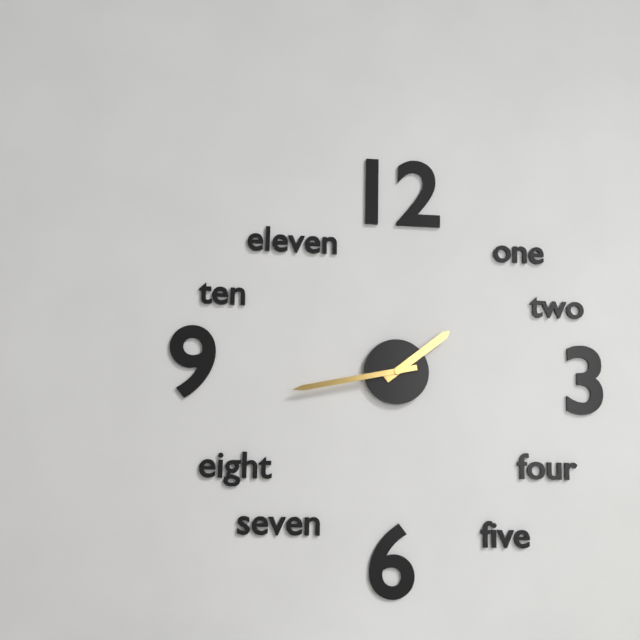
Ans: 1:43
